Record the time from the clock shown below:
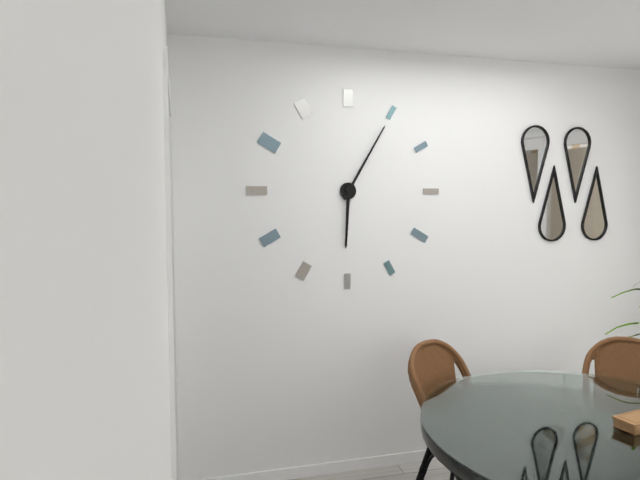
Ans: 6:05
